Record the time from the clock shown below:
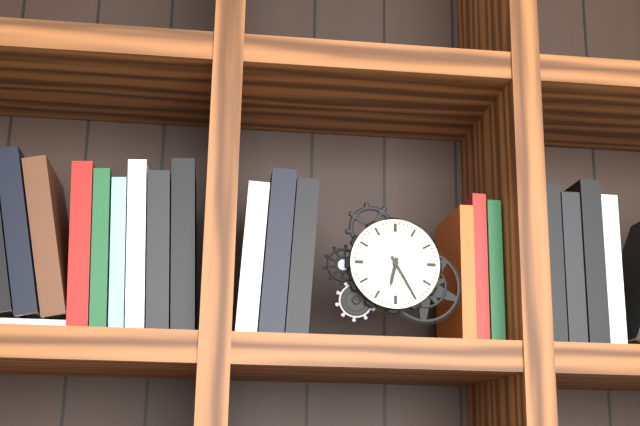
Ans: 6:25
